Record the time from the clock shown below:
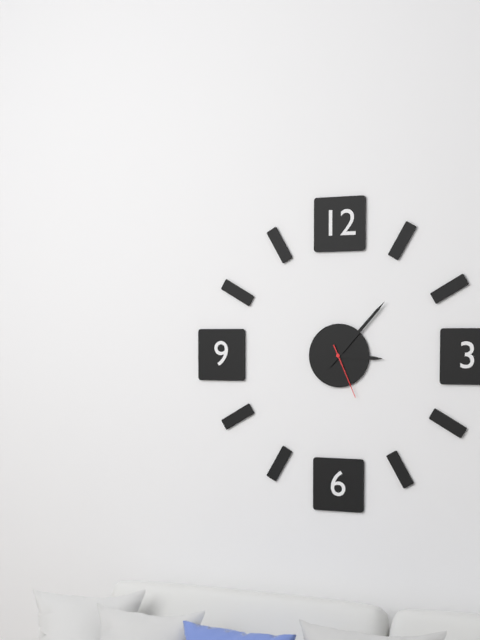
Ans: 3:07:26
